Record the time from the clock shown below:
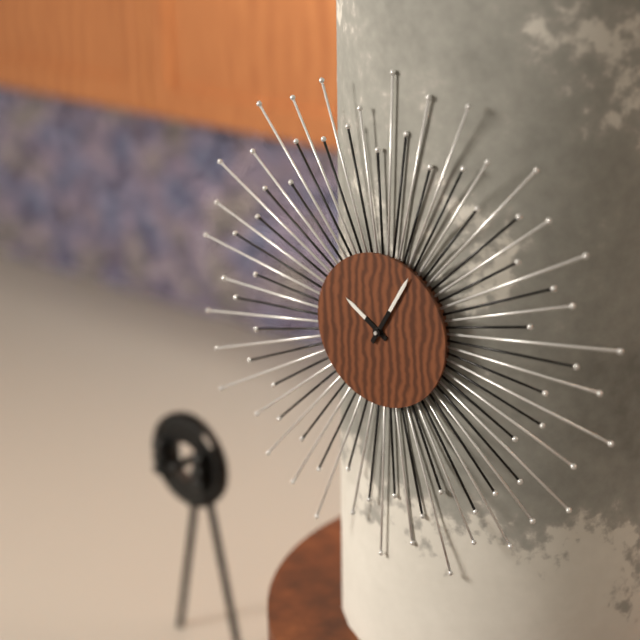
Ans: 10:05
